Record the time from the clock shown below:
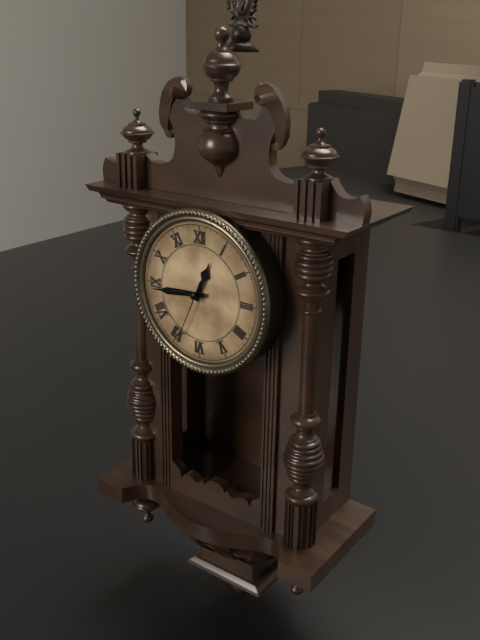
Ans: 12:44:34
